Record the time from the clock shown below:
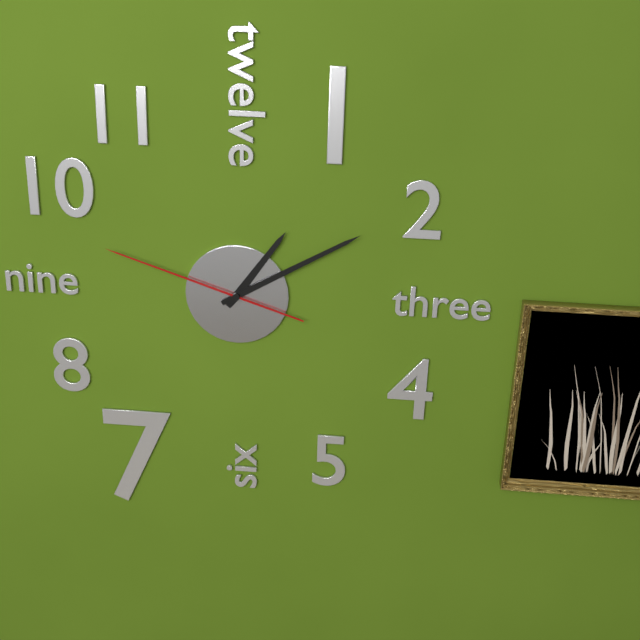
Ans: 1:10:48
